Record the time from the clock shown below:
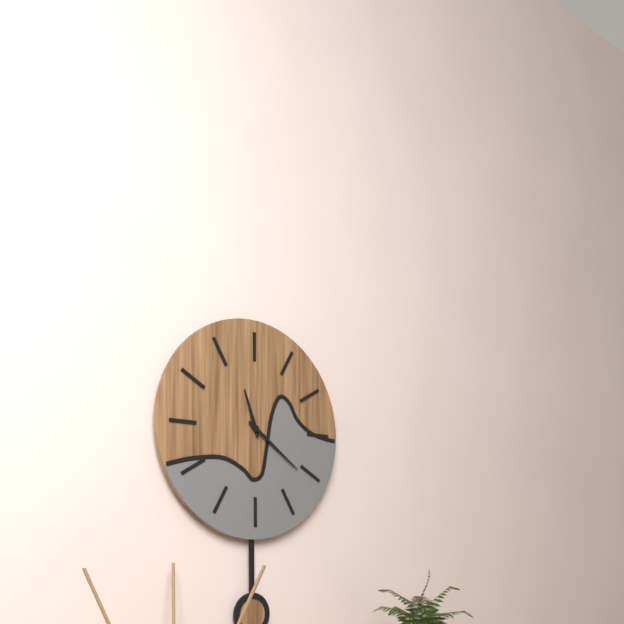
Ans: 11:21
